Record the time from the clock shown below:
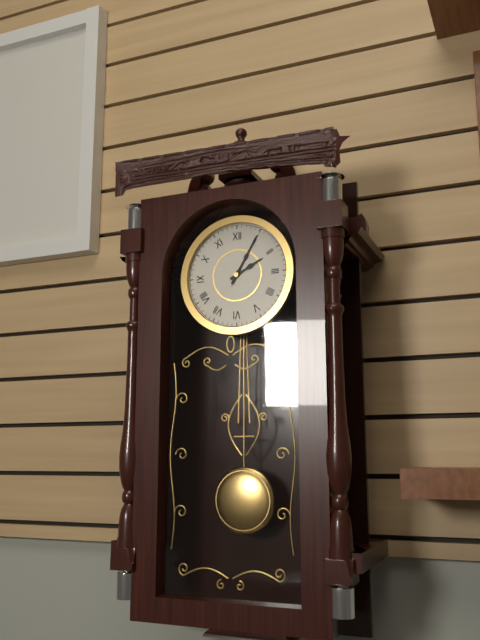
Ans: 2:05
